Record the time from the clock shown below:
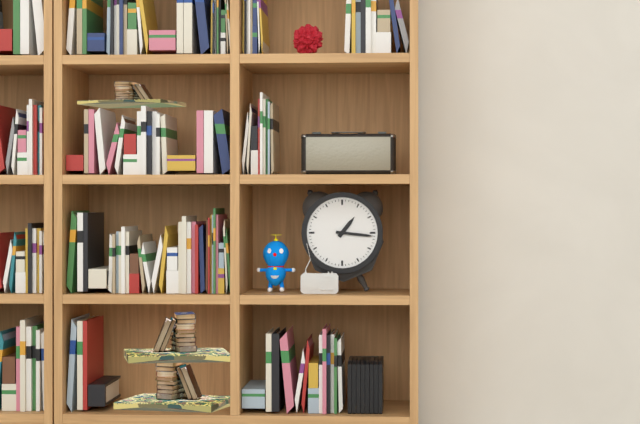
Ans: 1:16
